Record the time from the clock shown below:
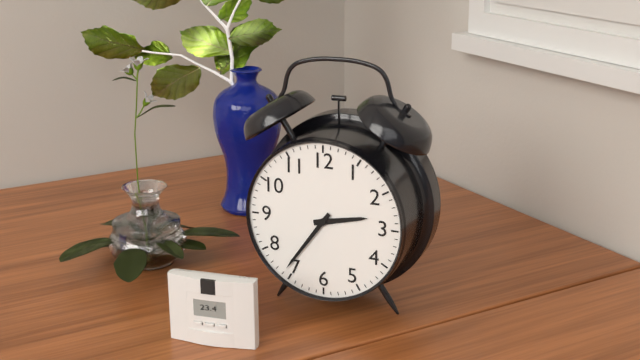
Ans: 2:36
